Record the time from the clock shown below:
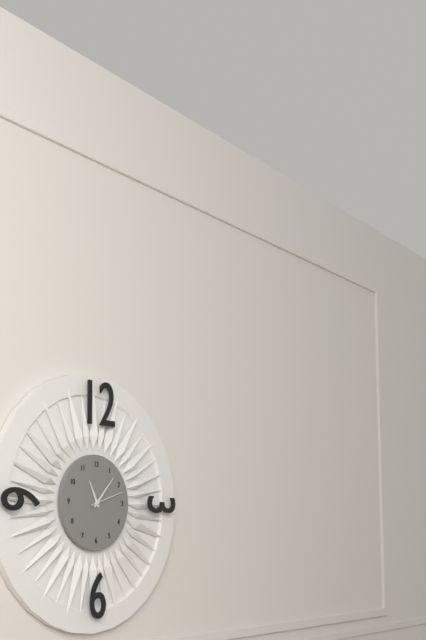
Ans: 11:07
